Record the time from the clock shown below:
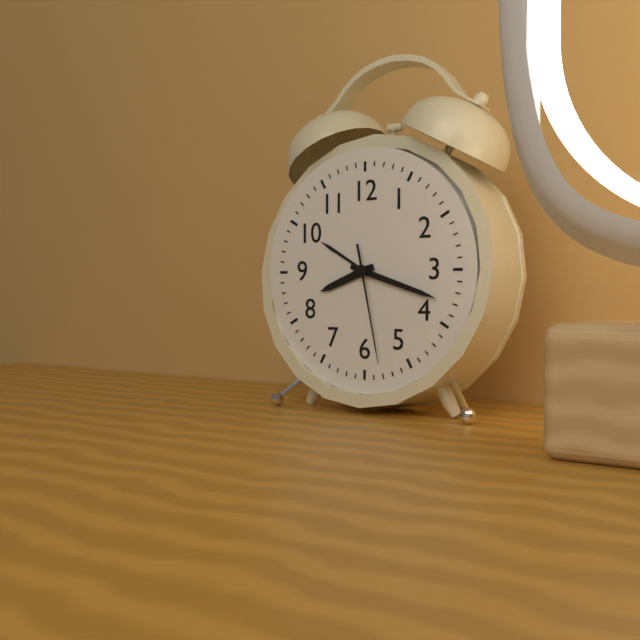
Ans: 8:18:28
